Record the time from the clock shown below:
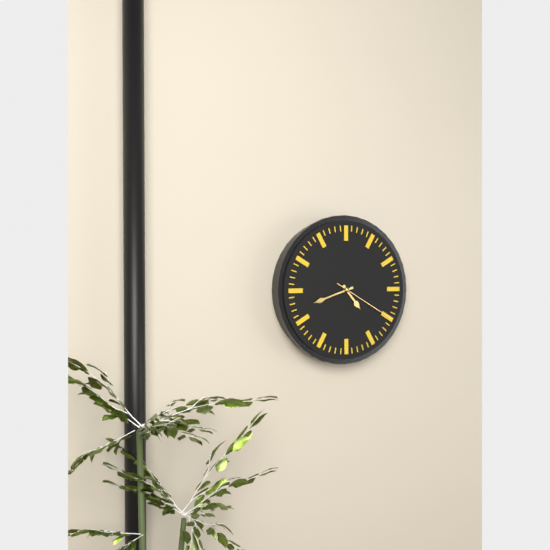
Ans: 4:42:20
